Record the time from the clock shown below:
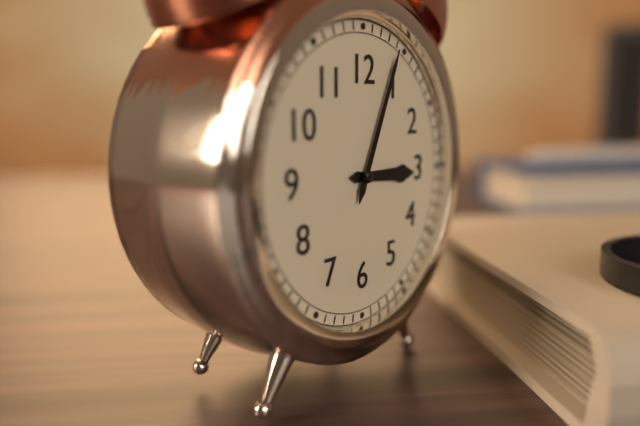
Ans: 3:04
